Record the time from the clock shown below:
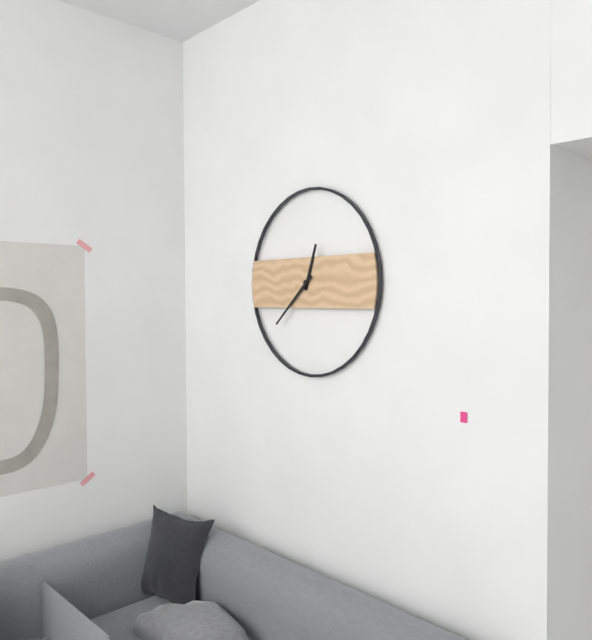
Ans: 12:38
